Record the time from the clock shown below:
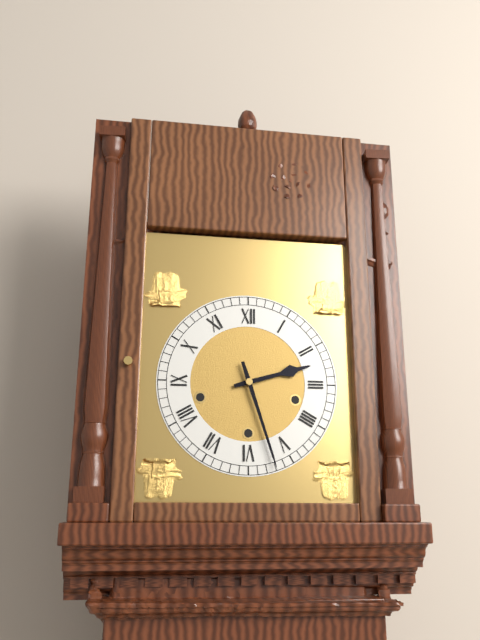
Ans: 2:27
